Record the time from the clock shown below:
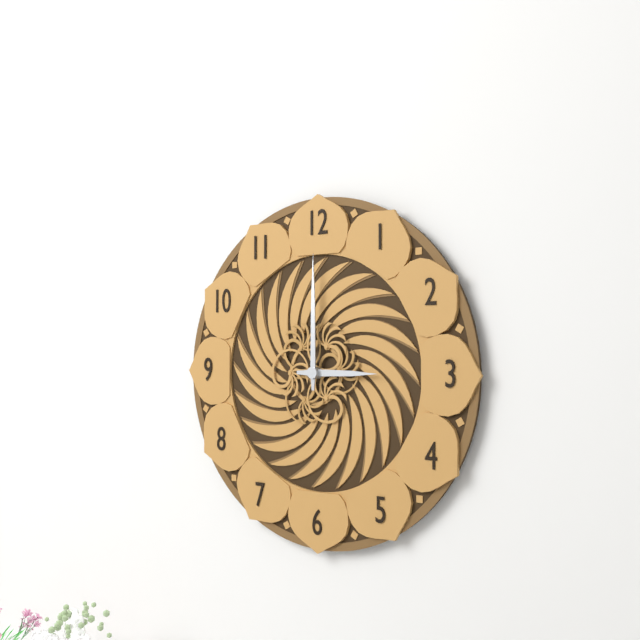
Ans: 3:00
